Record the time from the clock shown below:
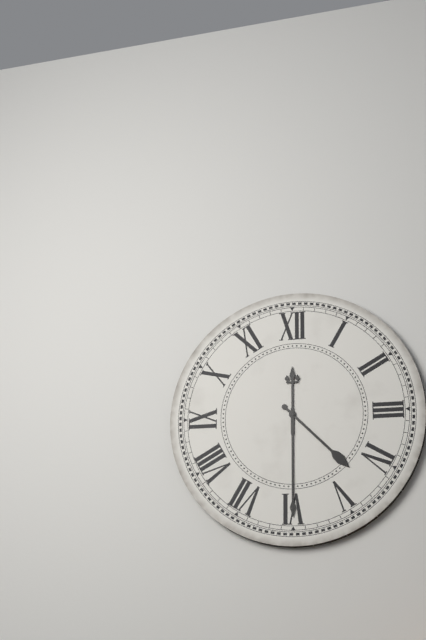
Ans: 4:30
